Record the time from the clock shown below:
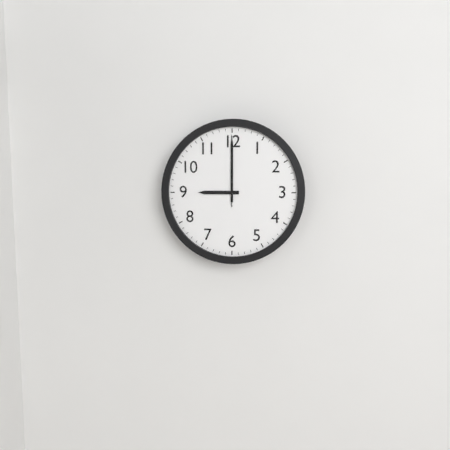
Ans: 9:00:00
